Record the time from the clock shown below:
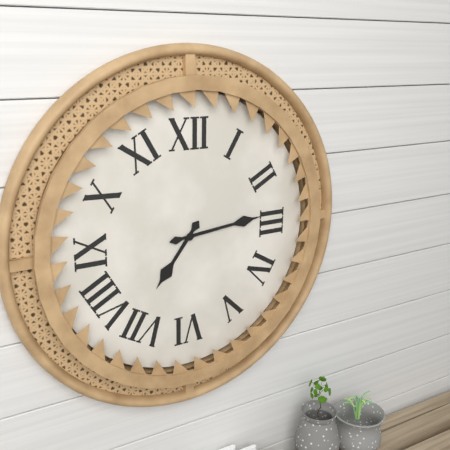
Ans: 7:14
